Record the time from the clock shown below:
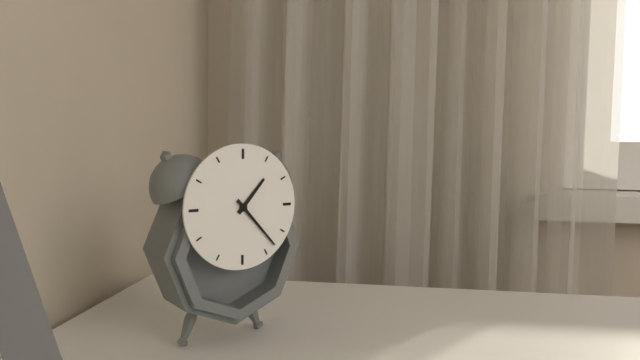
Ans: 1:23
